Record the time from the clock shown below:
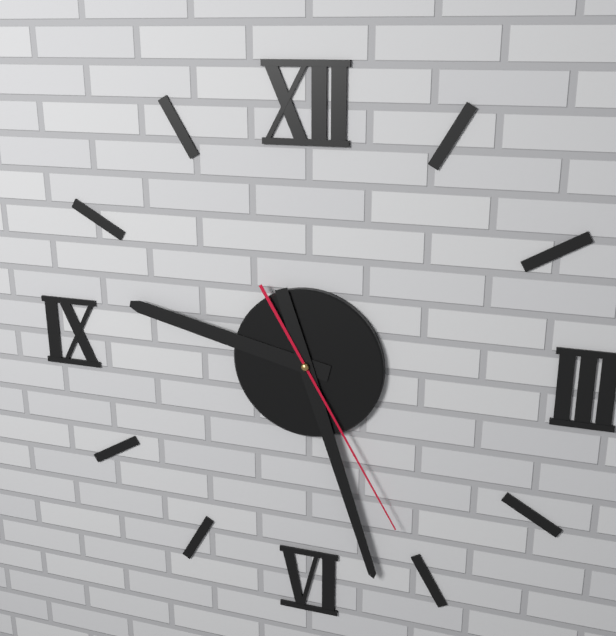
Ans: 9:27:25
